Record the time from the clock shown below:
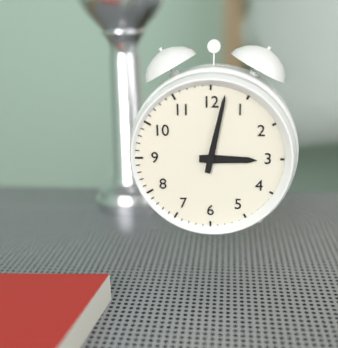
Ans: 3:02
